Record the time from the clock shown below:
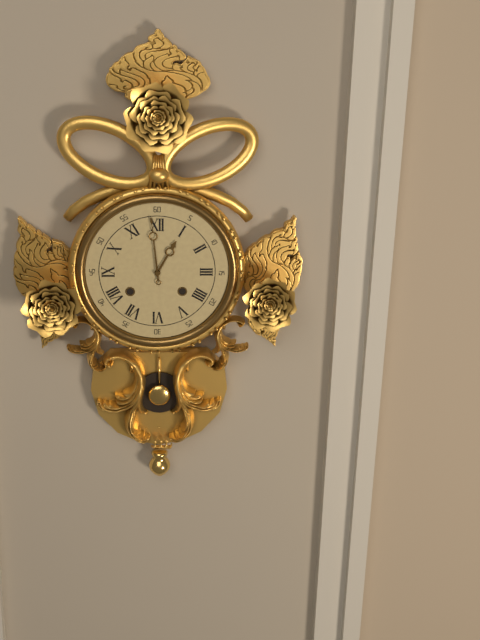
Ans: 12:59
